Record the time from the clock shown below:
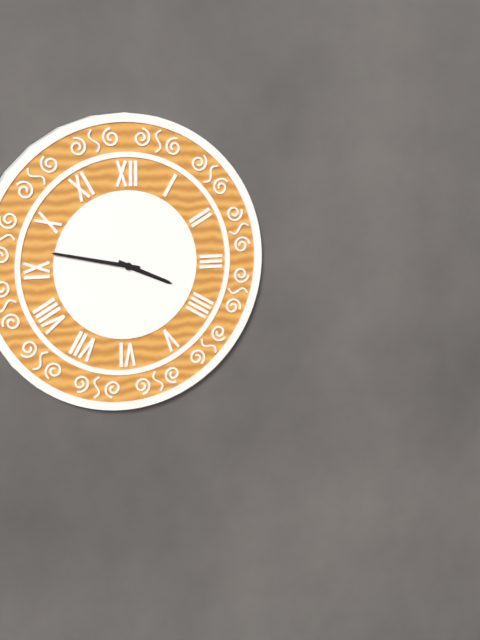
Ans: 3:47
